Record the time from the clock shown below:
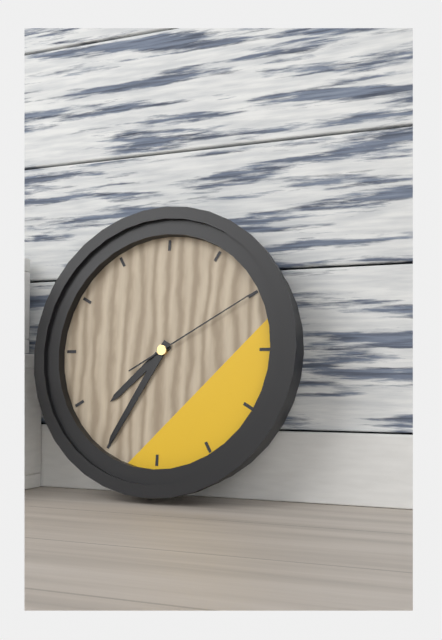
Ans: 7:35:10
